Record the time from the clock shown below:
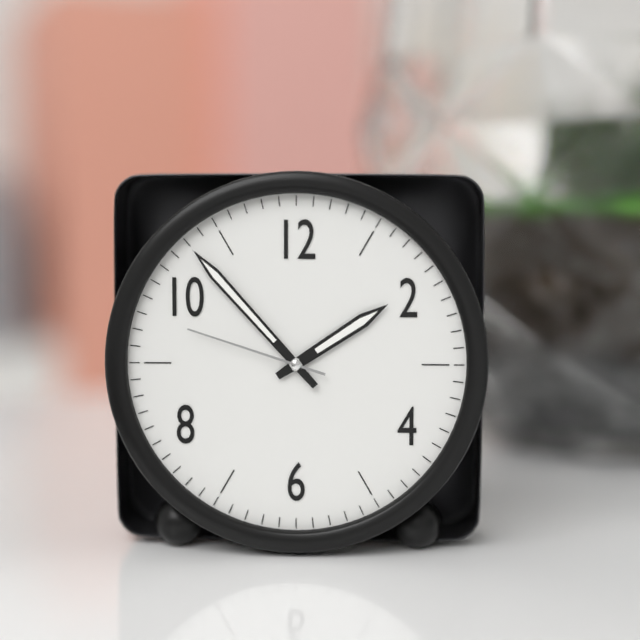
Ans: 1:53:48
